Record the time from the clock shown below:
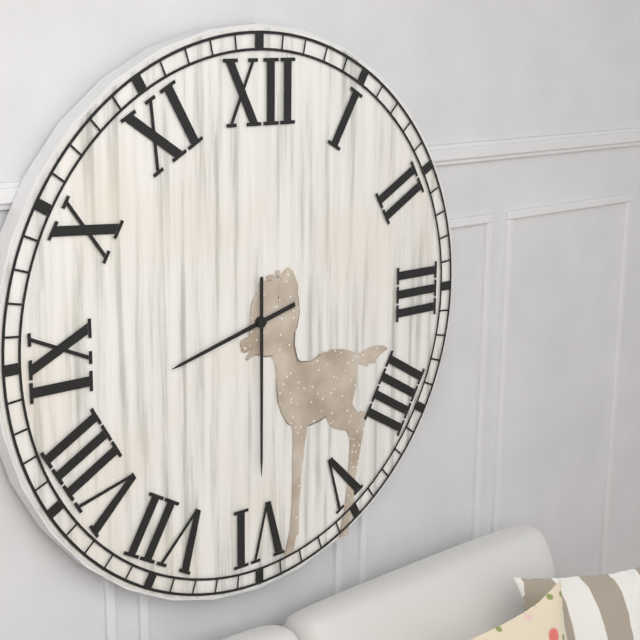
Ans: 8:30
